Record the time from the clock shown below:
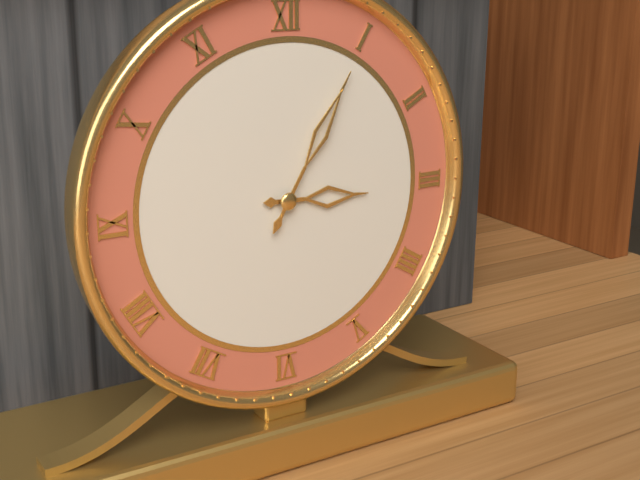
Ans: 3:05
